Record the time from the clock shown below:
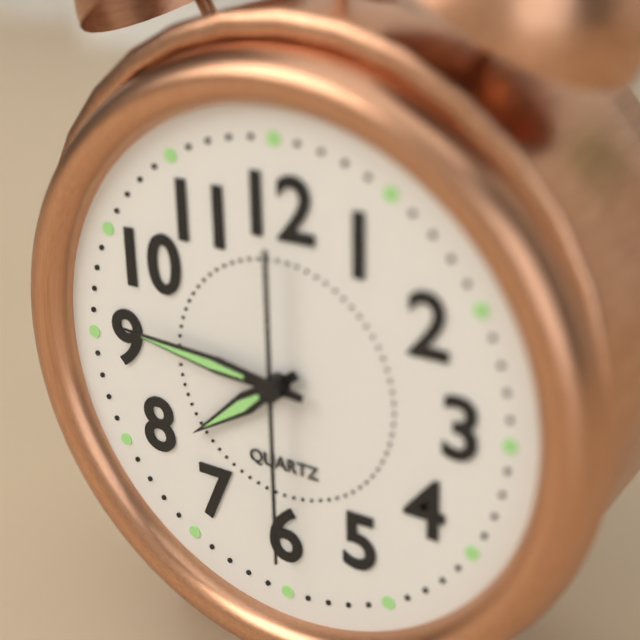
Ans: 7:46:30
